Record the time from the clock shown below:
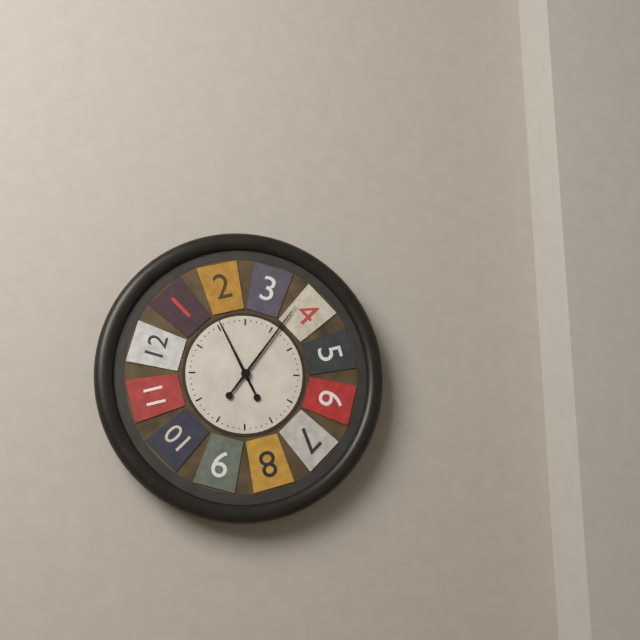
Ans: 11:06
